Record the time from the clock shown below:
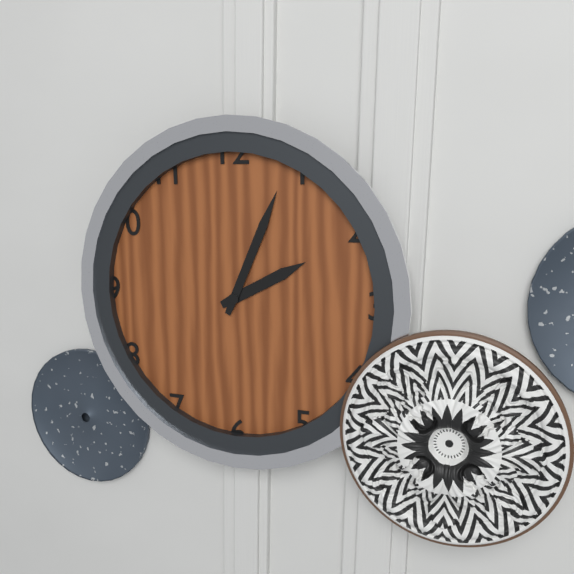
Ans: 2:04
